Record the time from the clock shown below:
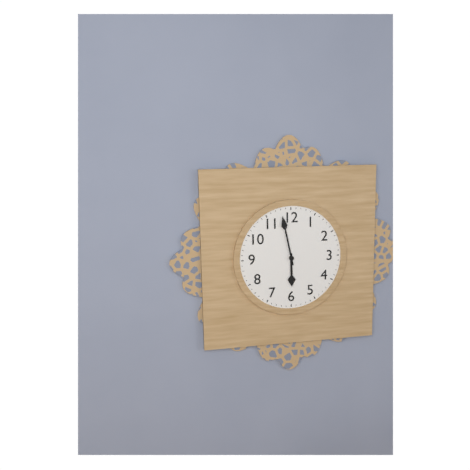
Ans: 5:58
